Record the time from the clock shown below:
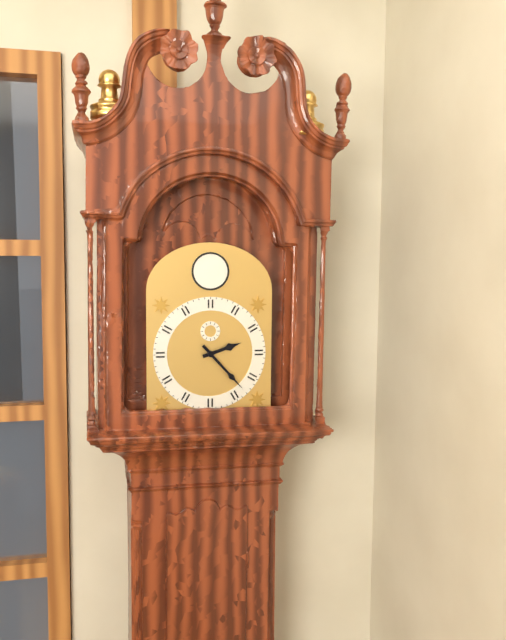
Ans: 2:23
